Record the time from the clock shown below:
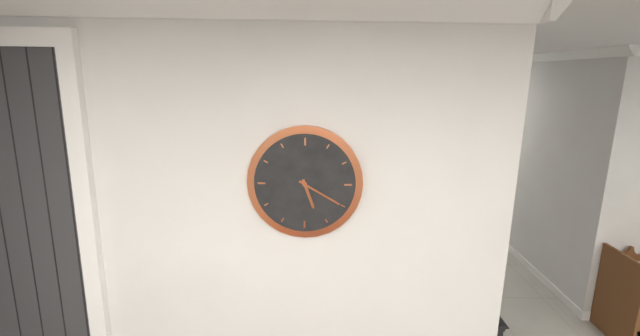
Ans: 5:20
